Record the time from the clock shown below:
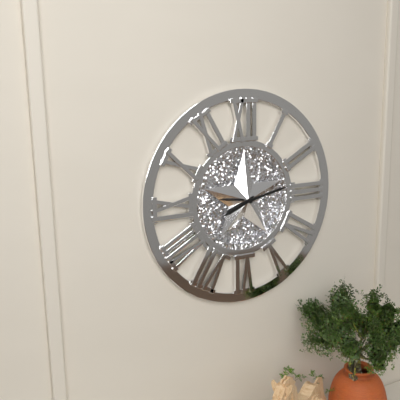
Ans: 8:13
